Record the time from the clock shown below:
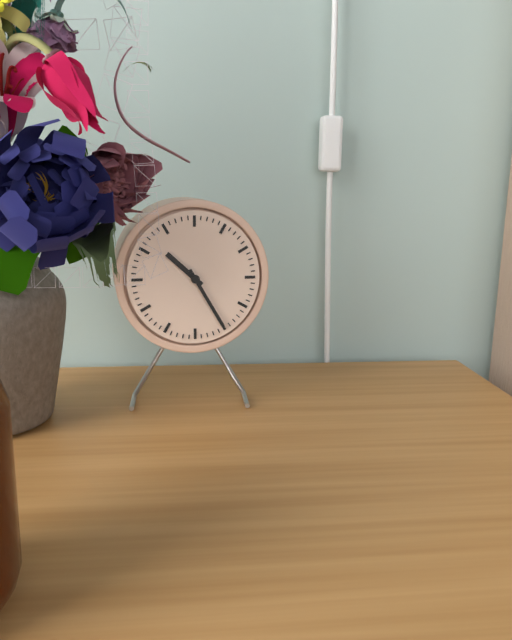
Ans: 10:25
